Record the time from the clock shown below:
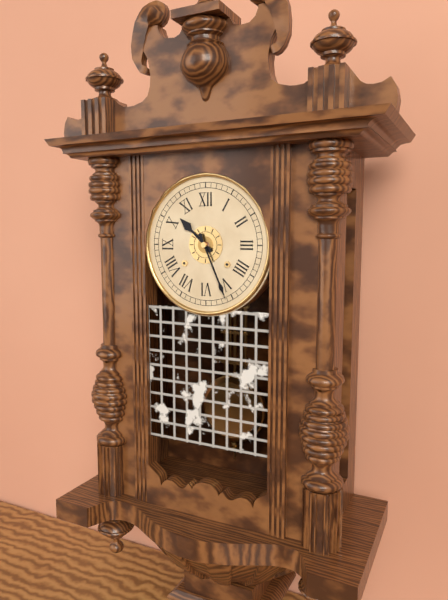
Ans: 10:26
